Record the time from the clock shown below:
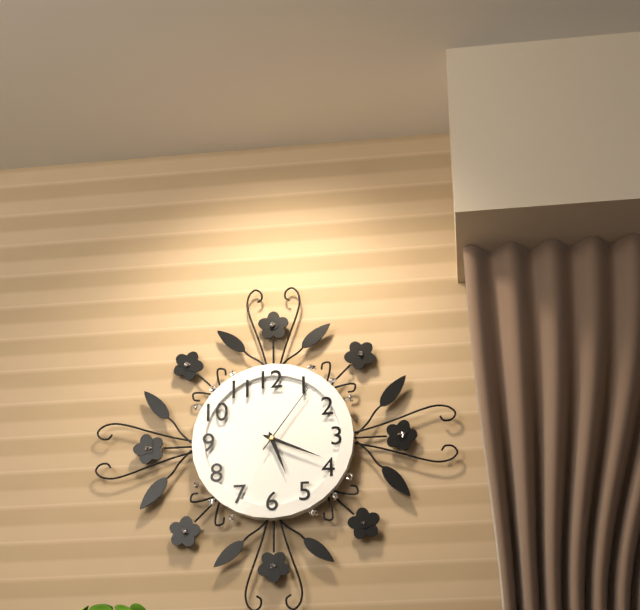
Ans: 5:19:06
